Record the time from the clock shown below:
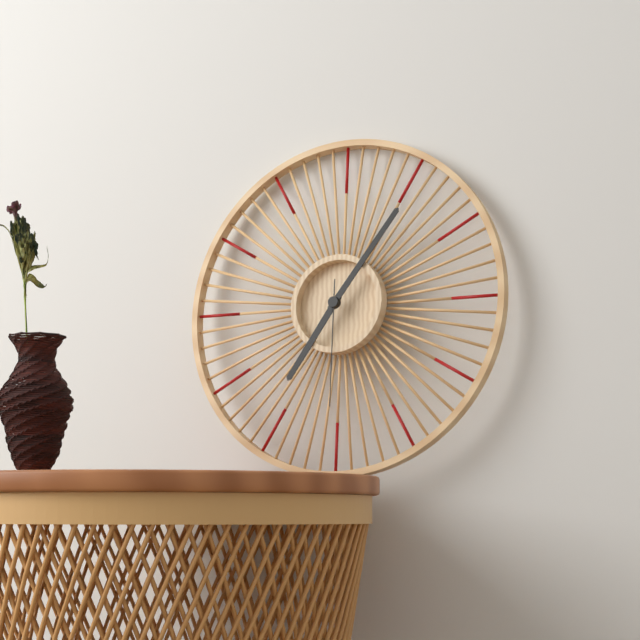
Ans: 7:06:30
